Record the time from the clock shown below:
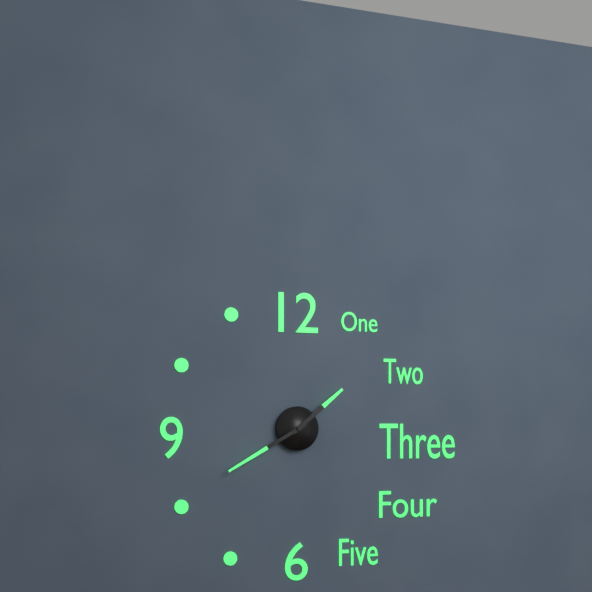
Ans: 1:40
